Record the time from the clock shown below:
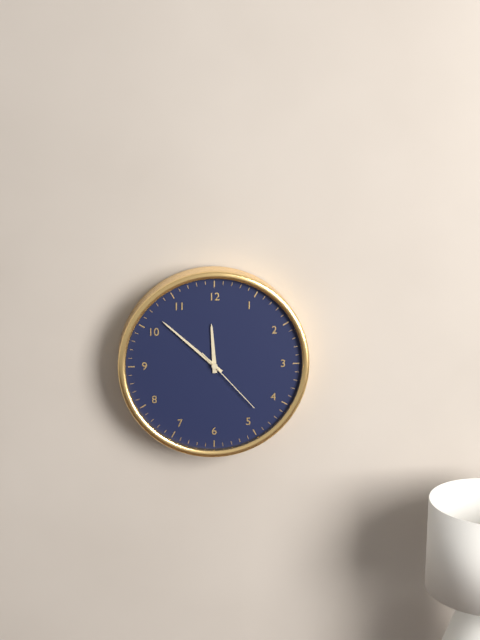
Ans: 11:52:23
